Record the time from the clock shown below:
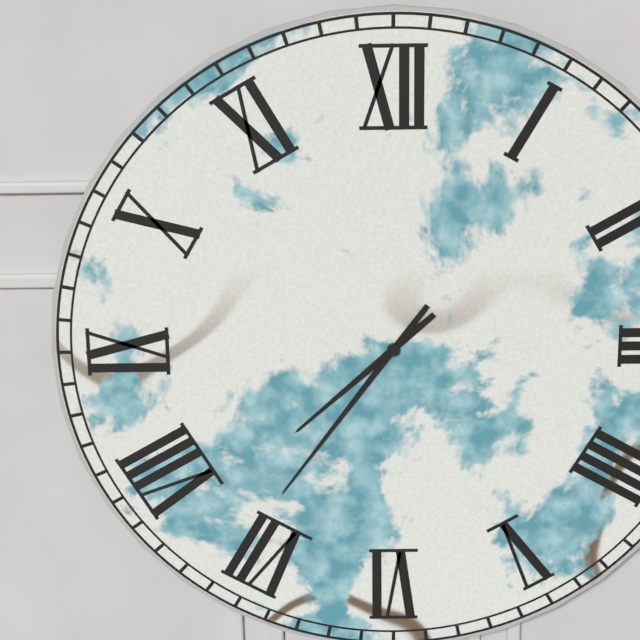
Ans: 7:36
